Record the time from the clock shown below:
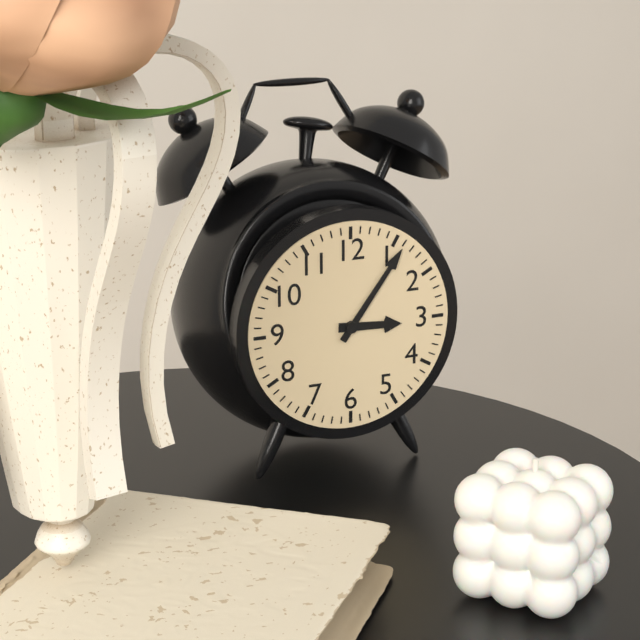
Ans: 3:06
